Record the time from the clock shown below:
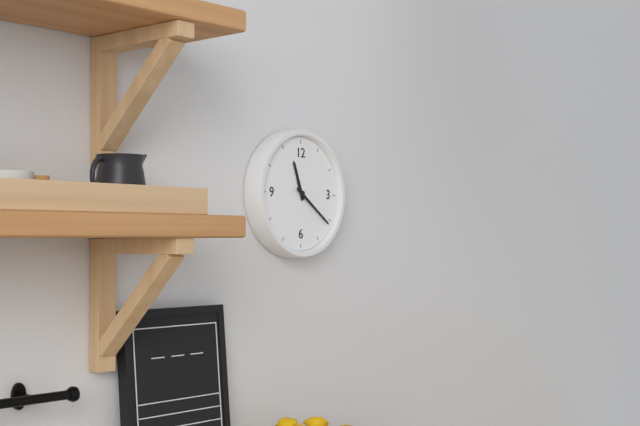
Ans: 11:21
